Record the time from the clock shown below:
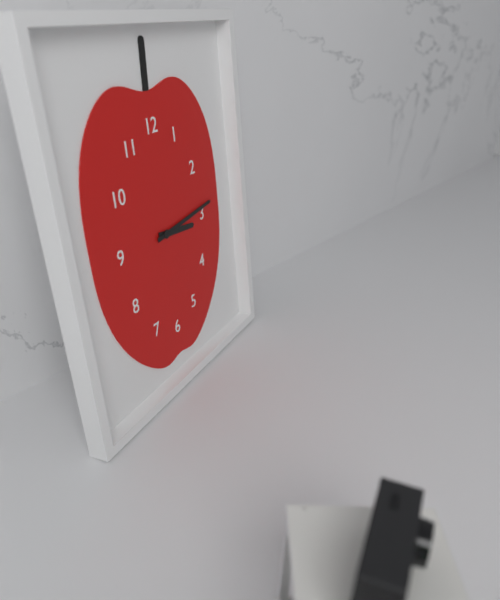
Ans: 3:14
